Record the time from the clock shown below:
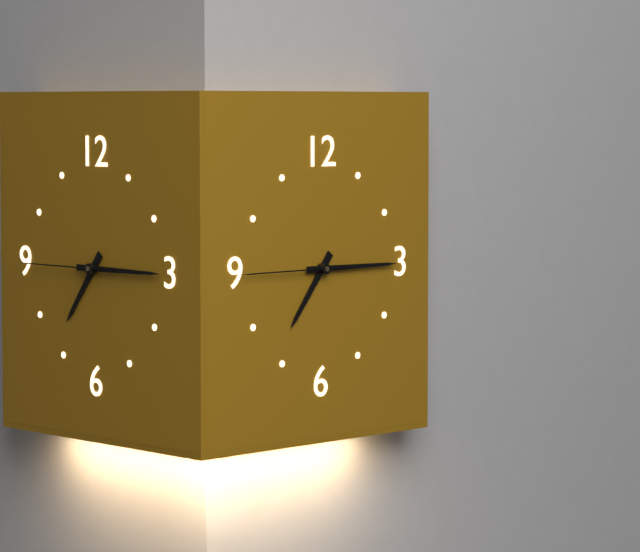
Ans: 7:15:45
